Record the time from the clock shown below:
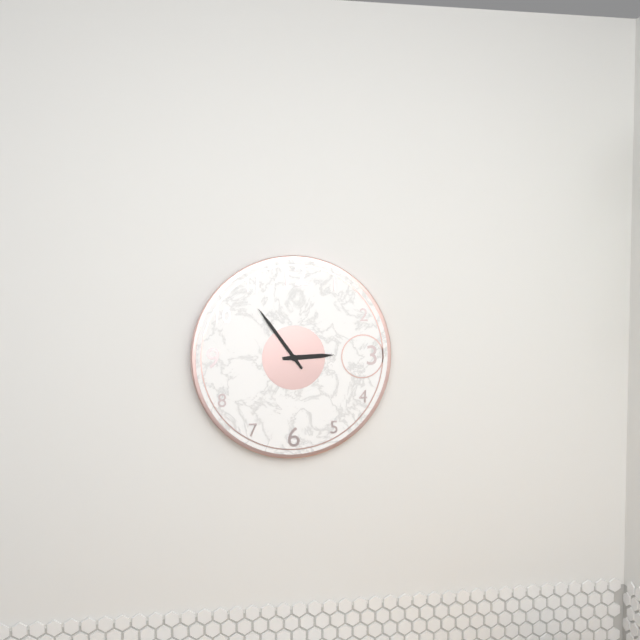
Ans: 2:54
